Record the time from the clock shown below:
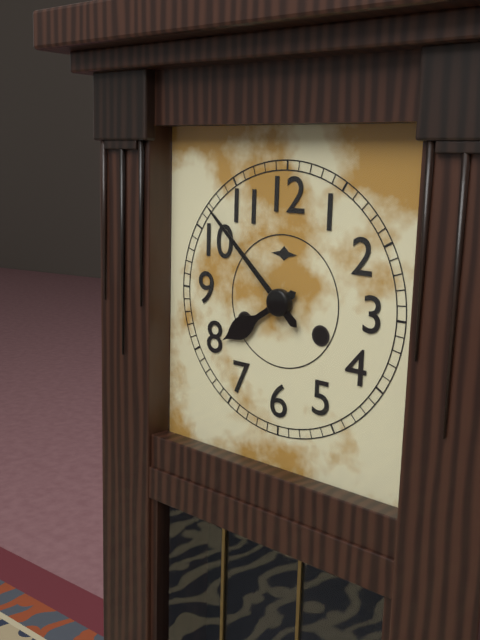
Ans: 7:52
